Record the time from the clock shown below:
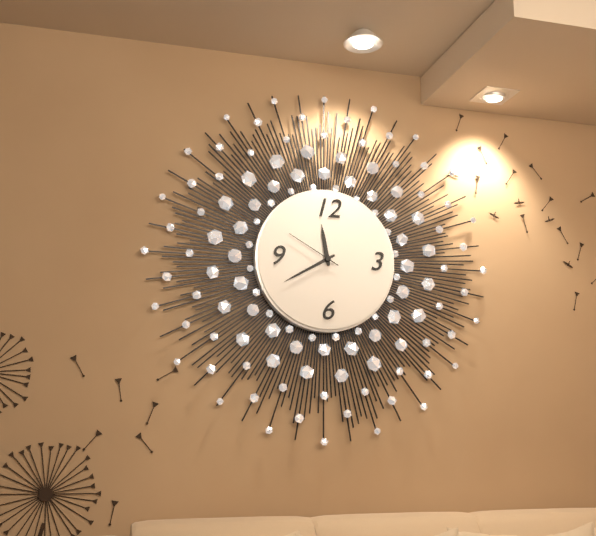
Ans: 11:40:50
